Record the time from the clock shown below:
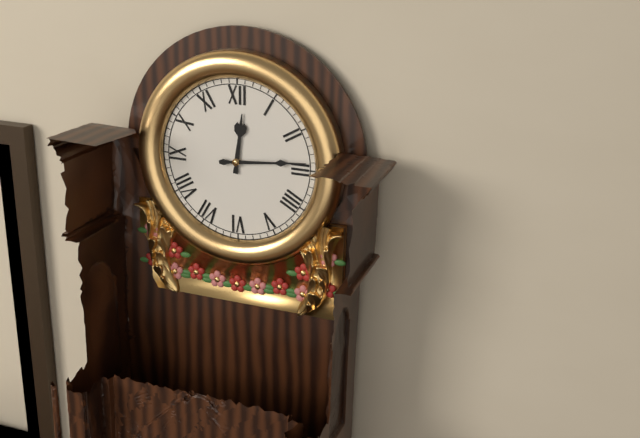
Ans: 12:14
